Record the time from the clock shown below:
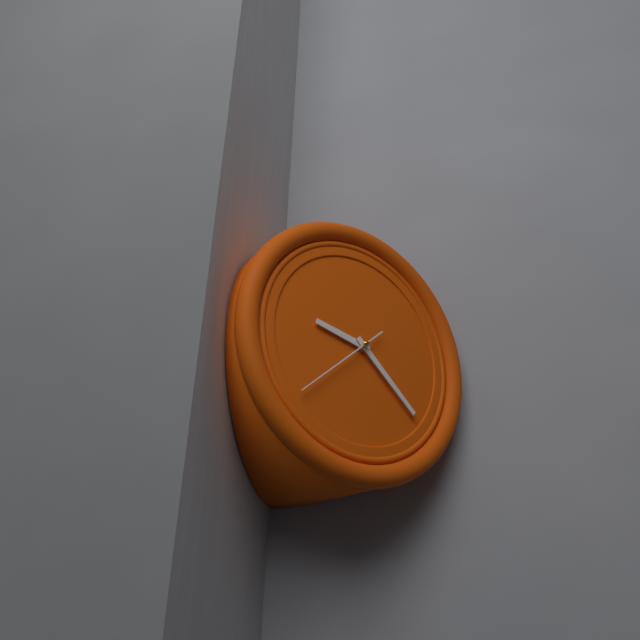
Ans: 9:22:38
